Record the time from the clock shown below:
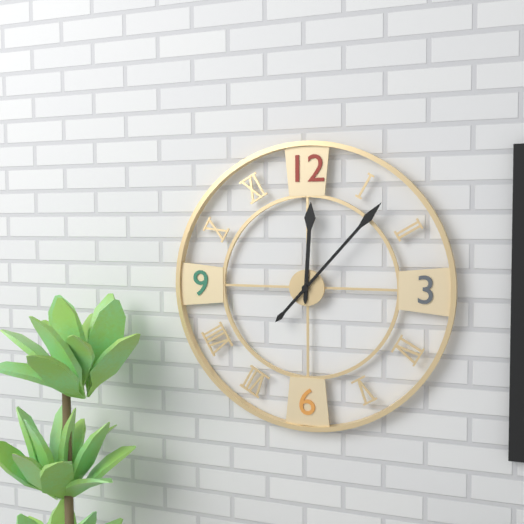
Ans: 12:07
